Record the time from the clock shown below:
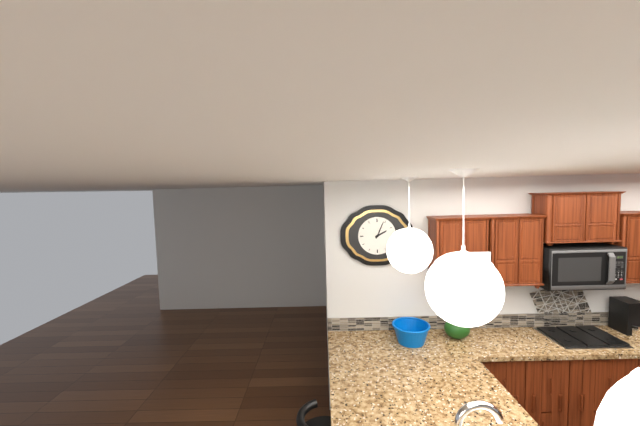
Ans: 2:04
